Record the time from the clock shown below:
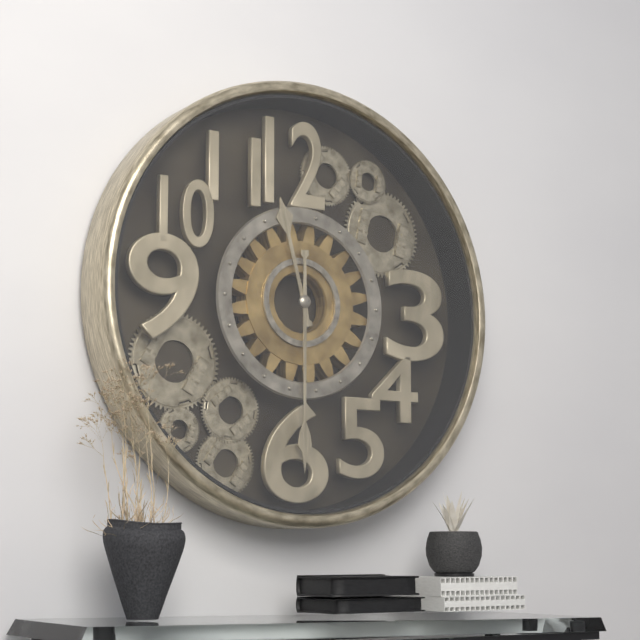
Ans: 11:30
